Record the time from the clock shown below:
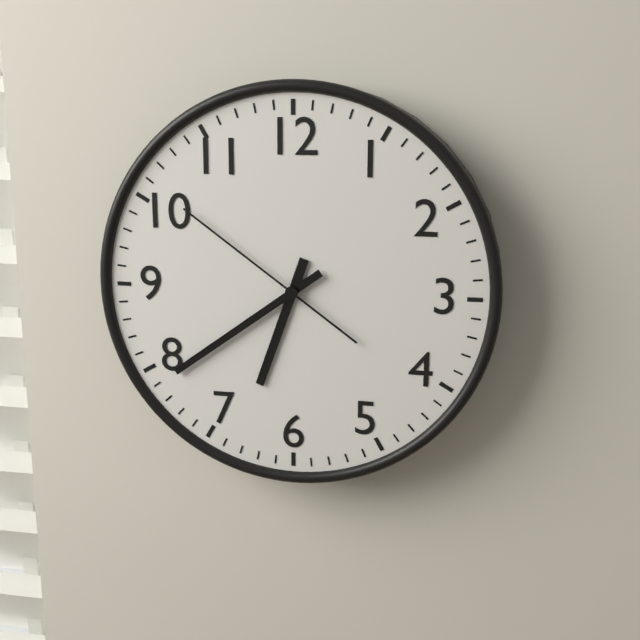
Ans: 6:39:51
